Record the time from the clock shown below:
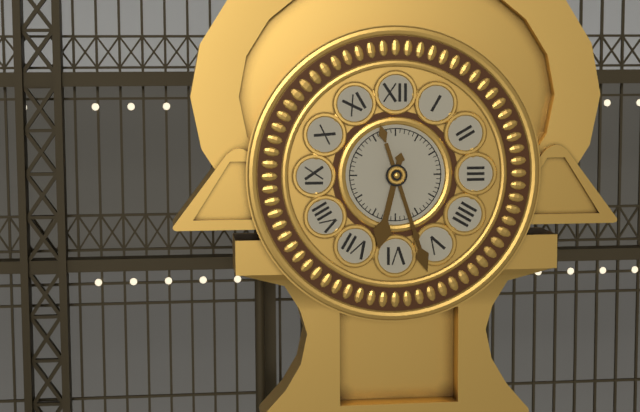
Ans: 6:27
